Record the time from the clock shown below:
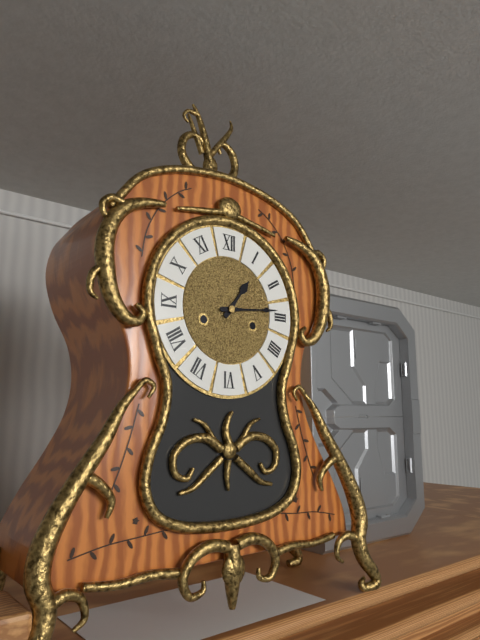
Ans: 1:14
